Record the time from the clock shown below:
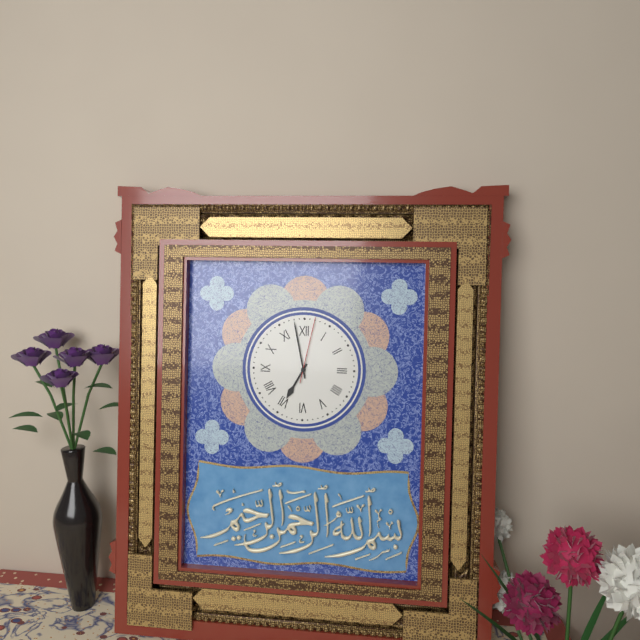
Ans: 6:58:02
